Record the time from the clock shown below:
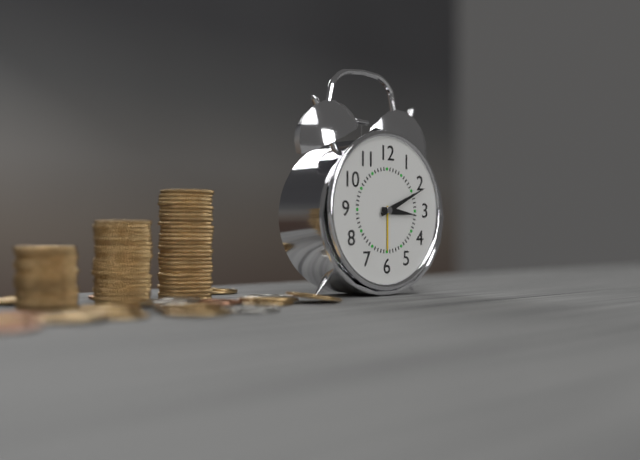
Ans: 3:11
